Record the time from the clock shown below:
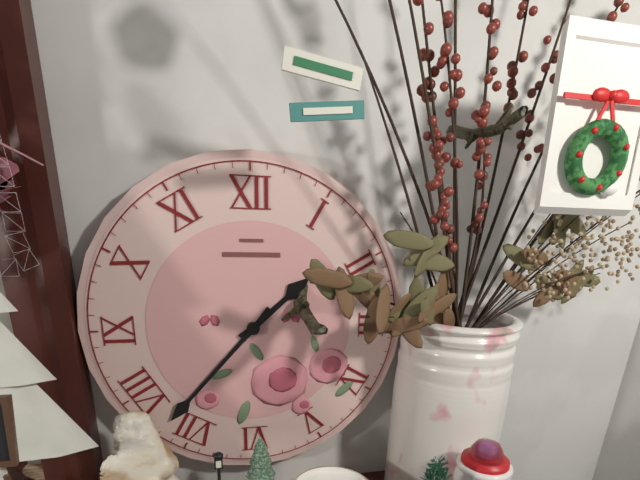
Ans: 1:37
